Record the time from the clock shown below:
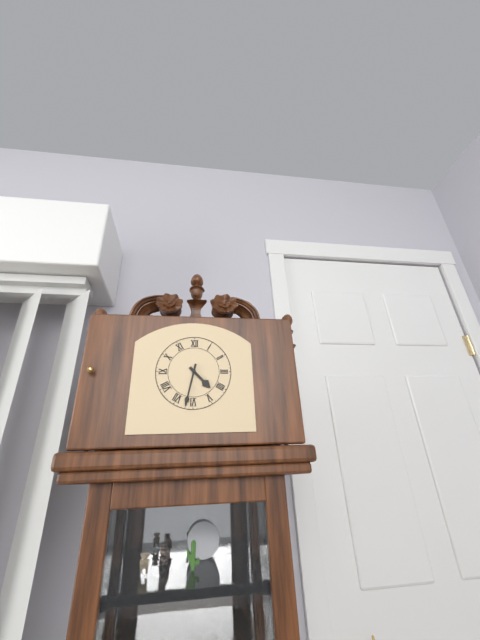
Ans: 4:32
